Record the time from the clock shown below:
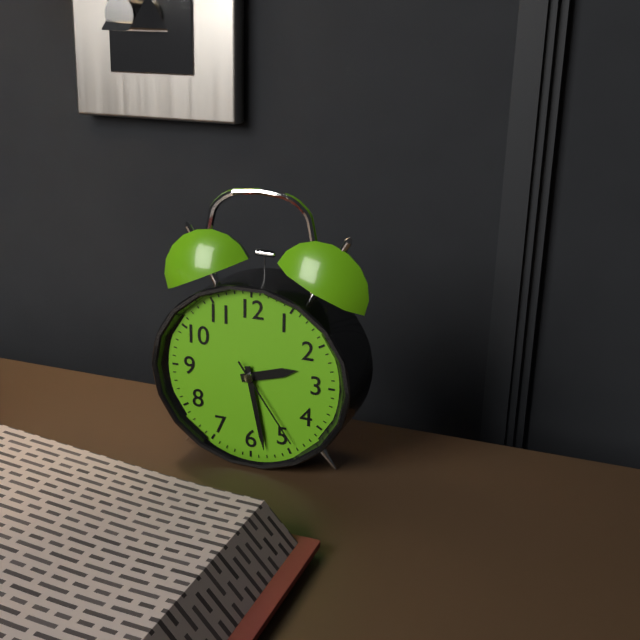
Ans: 2:28:24
